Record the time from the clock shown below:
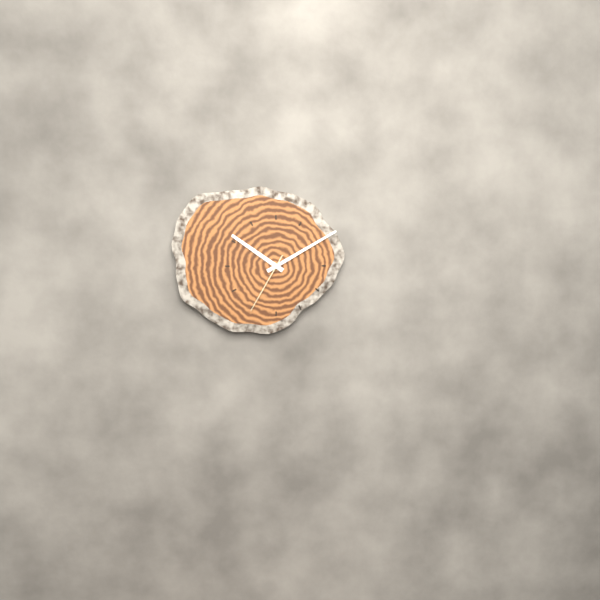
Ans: 10:10:35
